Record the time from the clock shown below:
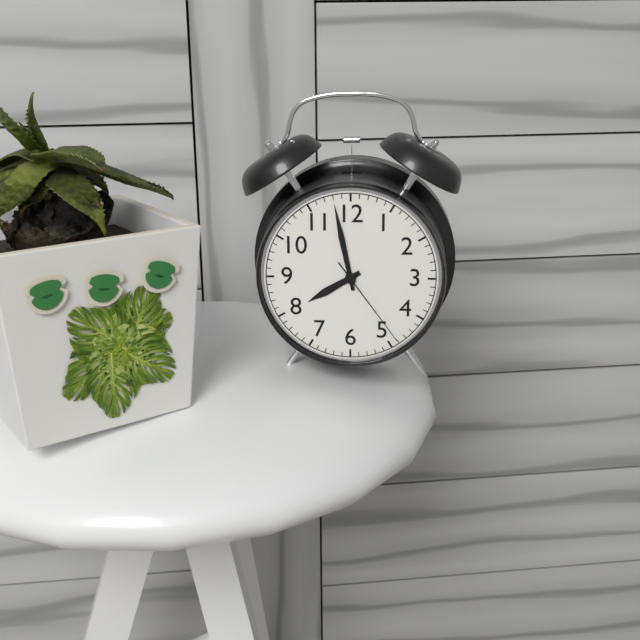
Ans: 7:58:24
